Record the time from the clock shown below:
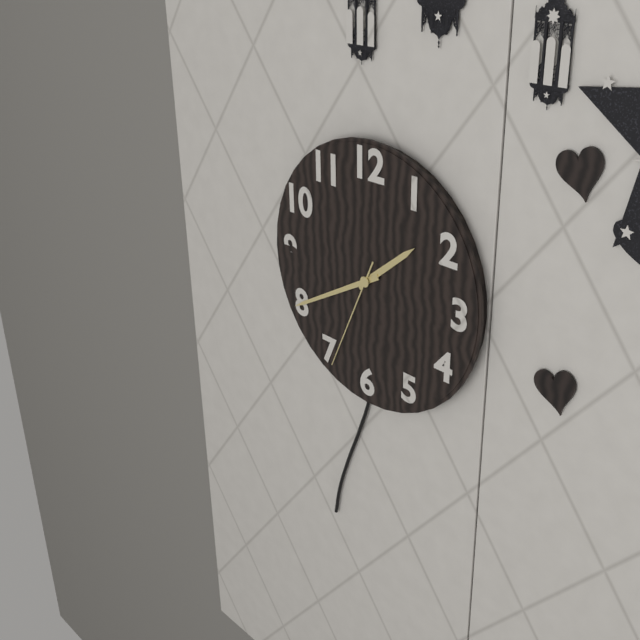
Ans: 1:40:34
